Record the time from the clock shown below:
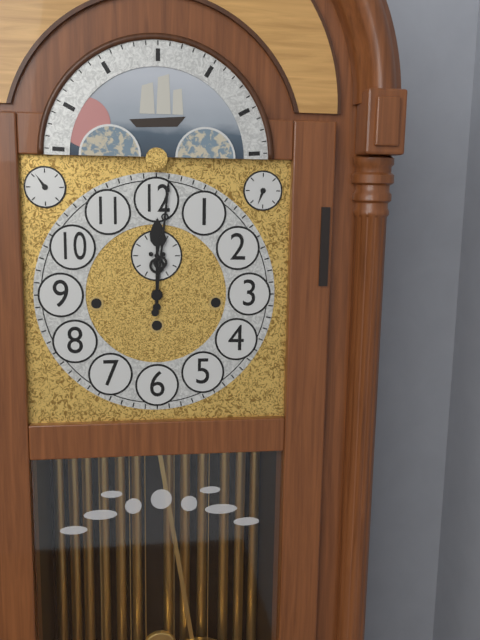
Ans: 12:01
